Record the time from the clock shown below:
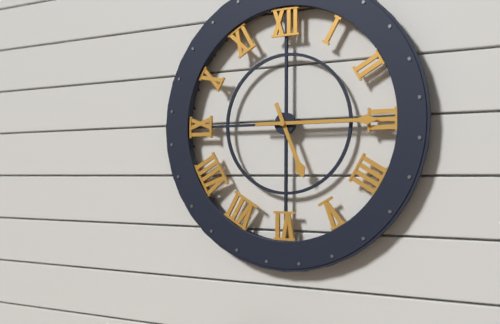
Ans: 5:15
